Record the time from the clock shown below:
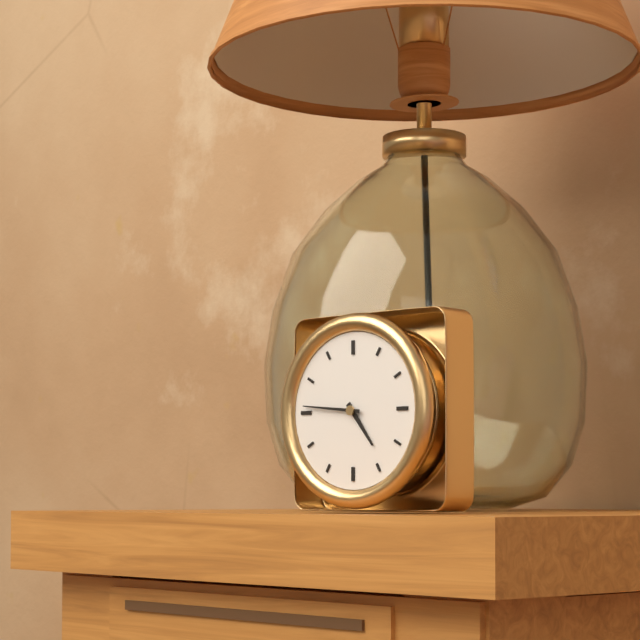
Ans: 4:46
